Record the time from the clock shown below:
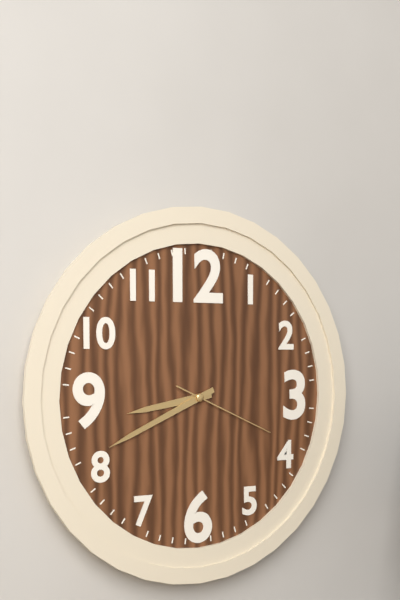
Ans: 8:41:19
